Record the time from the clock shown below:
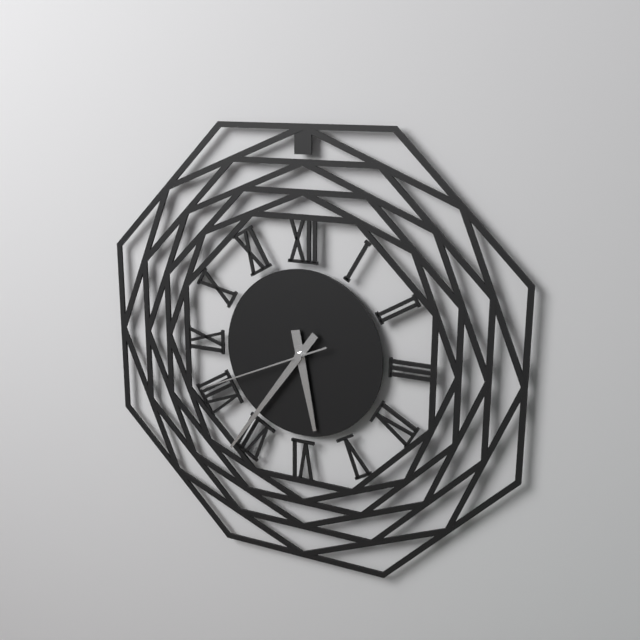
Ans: 5:36:41
